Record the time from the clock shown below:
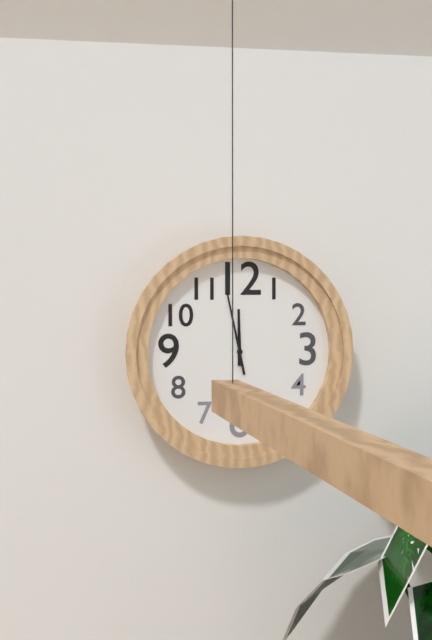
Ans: 11:58
